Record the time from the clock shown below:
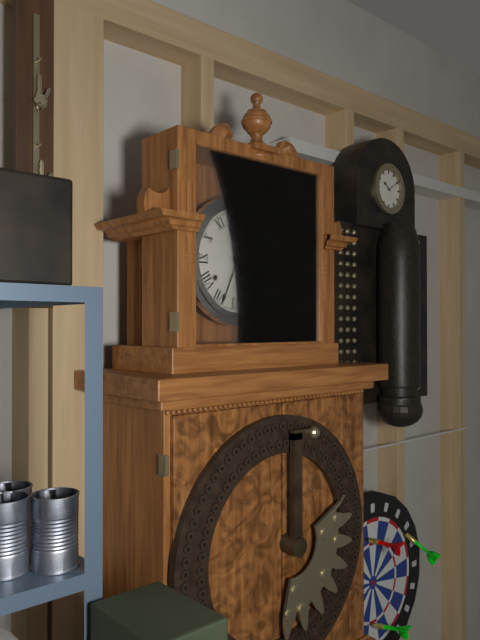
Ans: 4:34
